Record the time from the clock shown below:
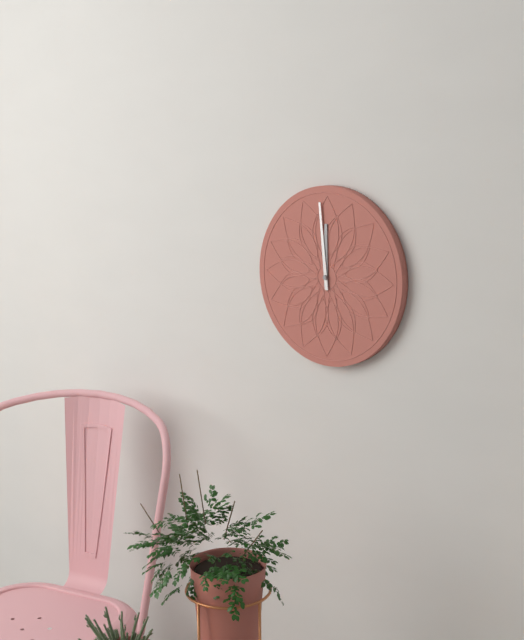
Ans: 11:59
